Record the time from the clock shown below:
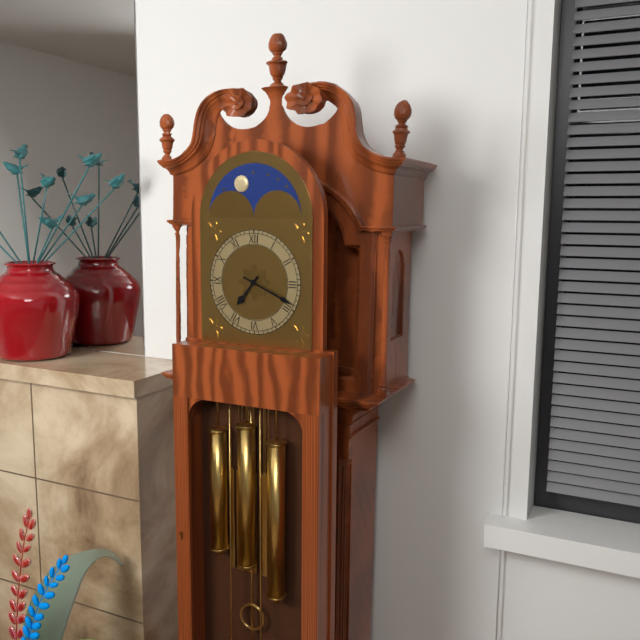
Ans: 7:19
